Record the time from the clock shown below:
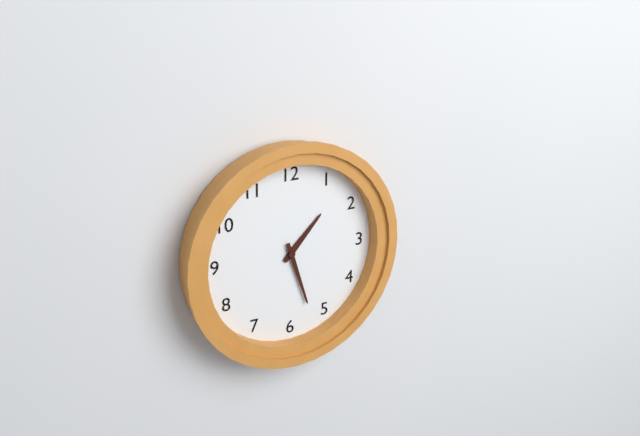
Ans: 1:27
